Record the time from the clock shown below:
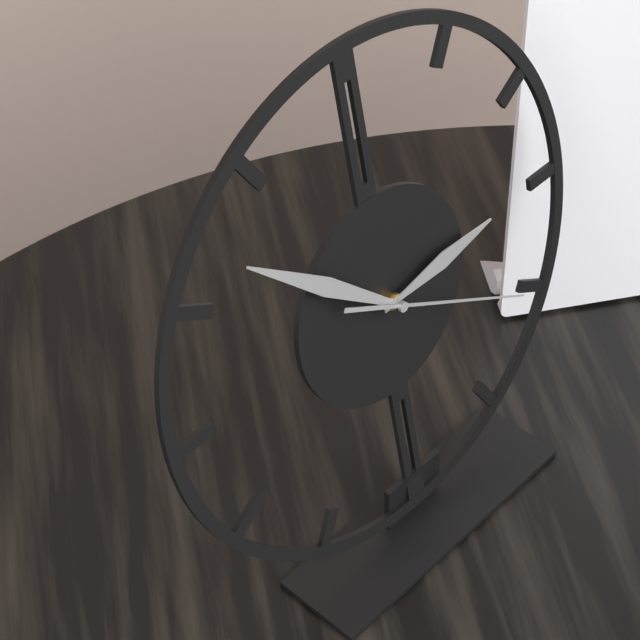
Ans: 2:52:20
